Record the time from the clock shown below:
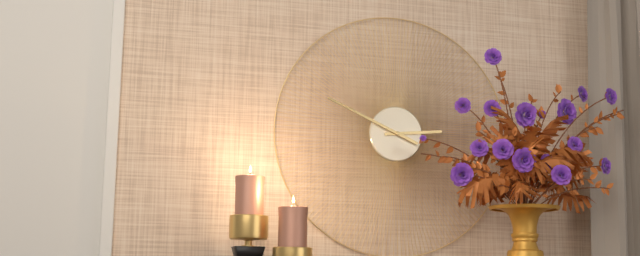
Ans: 2:49
